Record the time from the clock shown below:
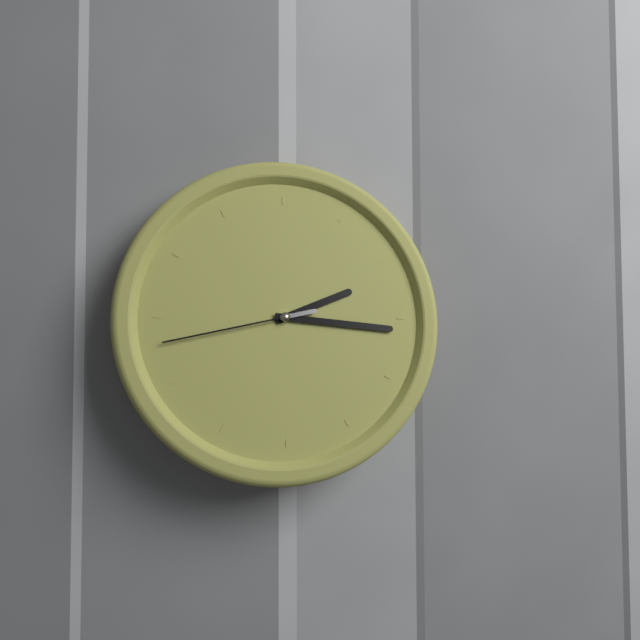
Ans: 2:16:43
